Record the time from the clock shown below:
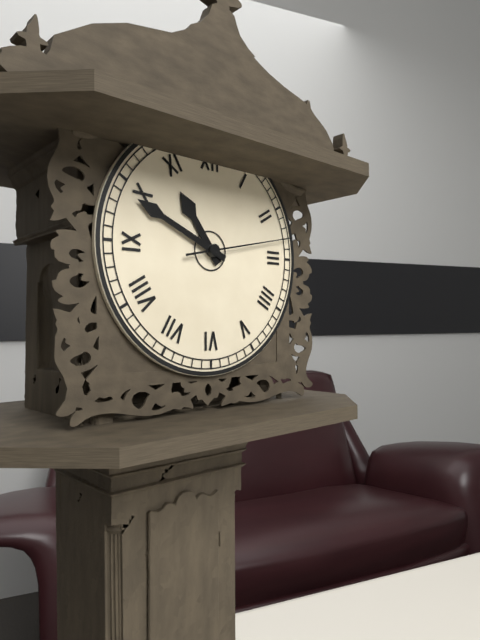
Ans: 10:49:13
